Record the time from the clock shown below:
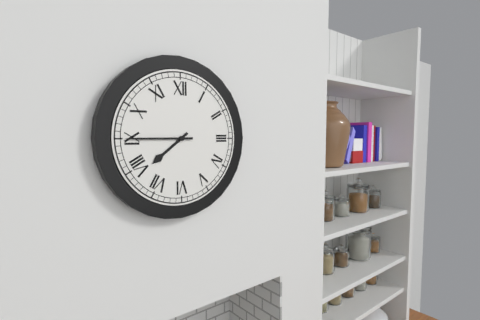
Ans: 7:45
